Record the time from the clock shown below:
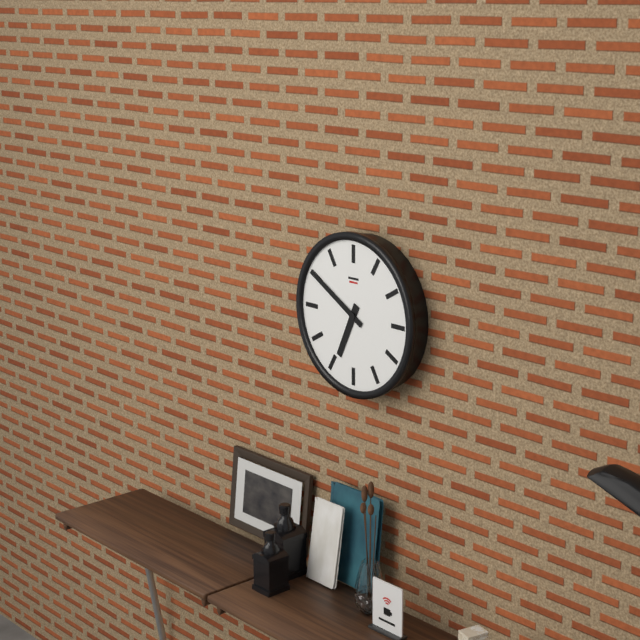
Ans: 6:50
